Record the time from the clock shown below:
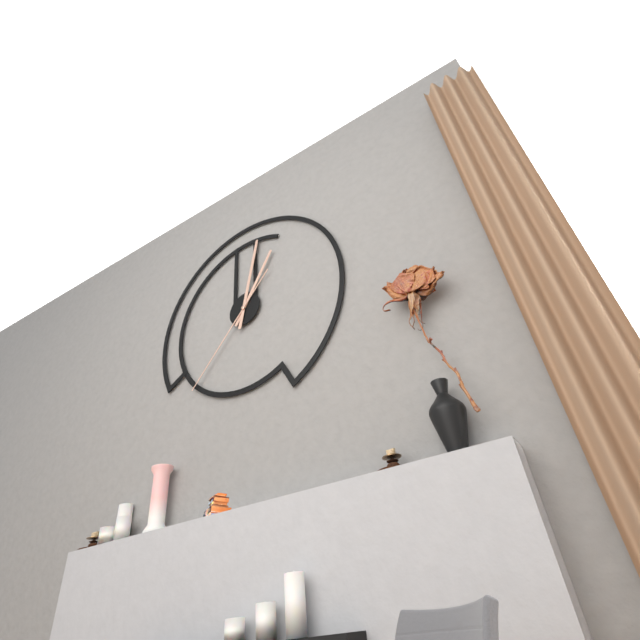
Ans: 1:02:37
